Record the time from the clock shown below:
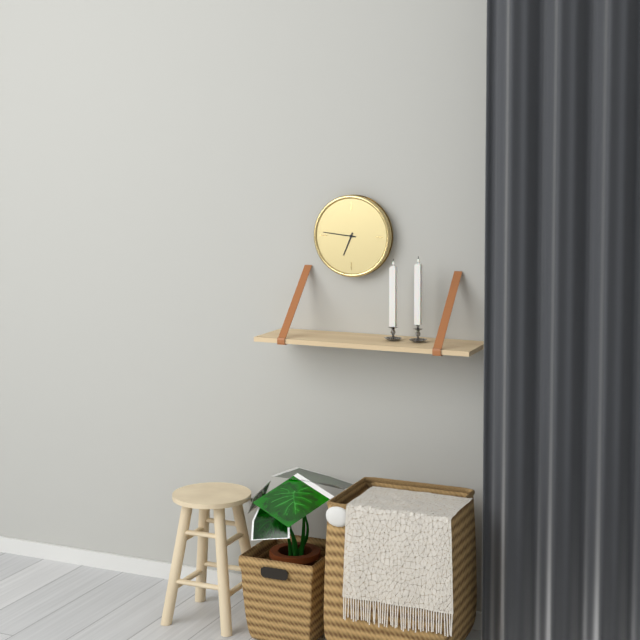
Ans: 6:46
